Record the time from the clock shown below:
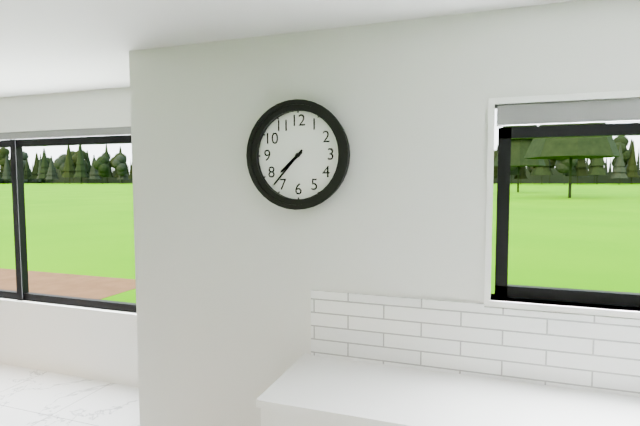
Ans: 7:37
